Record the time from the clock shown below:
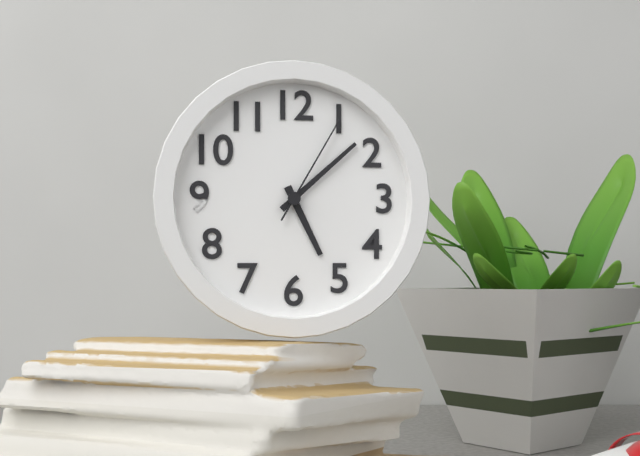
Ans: 5:08:05
